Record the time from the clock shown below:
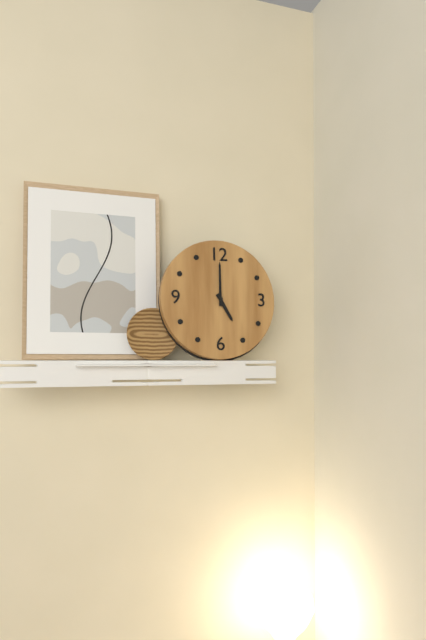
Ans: 5:00
